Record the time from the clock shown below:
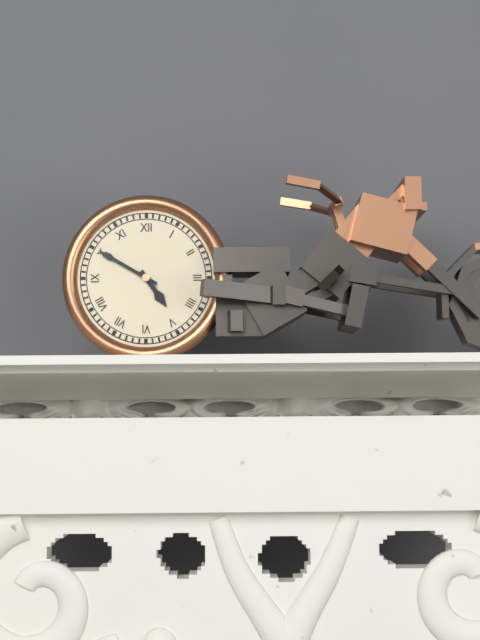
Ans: 4:50
